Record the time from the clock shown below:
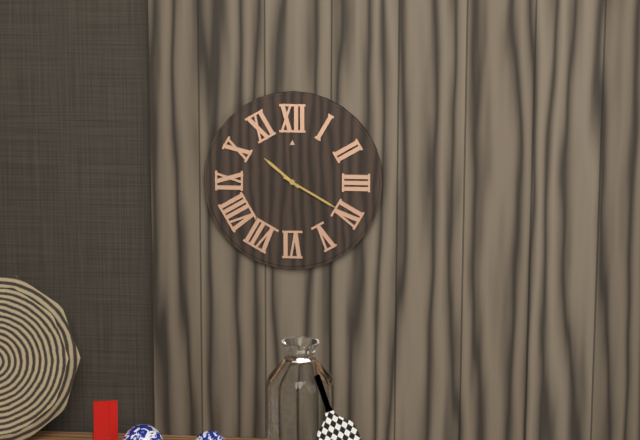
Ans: 10:20
